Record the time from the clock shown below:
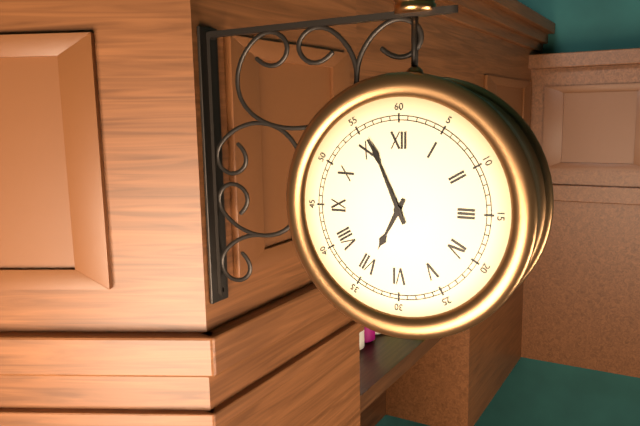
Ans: 6:56
